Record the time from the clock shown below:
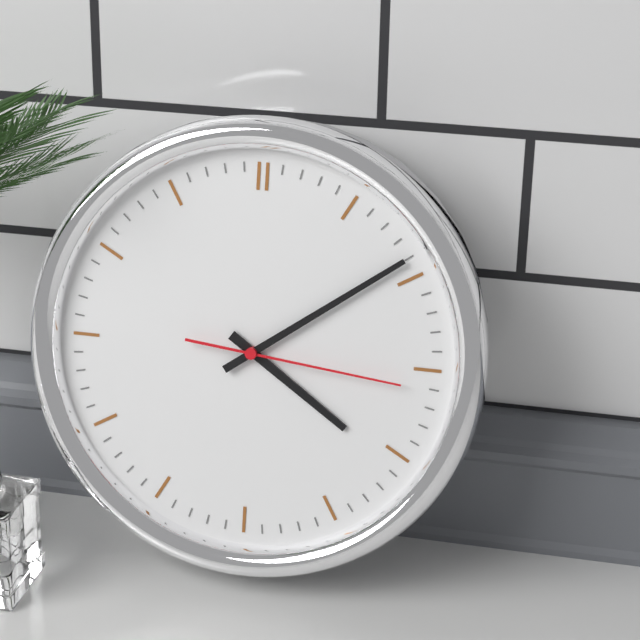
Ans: 4:09:16
